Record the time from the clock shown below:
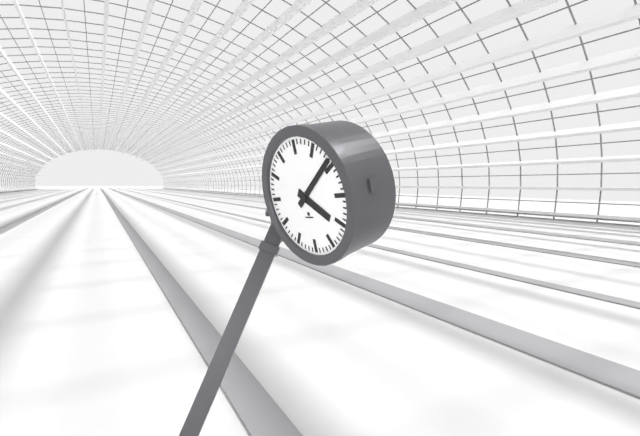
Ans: 4:09
